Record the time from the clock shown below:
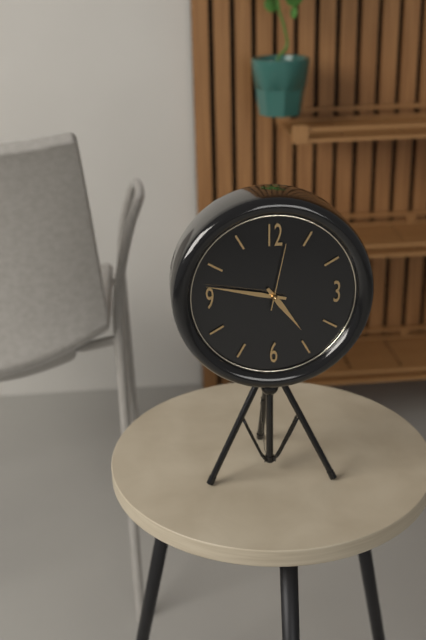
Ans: 4:47:02
